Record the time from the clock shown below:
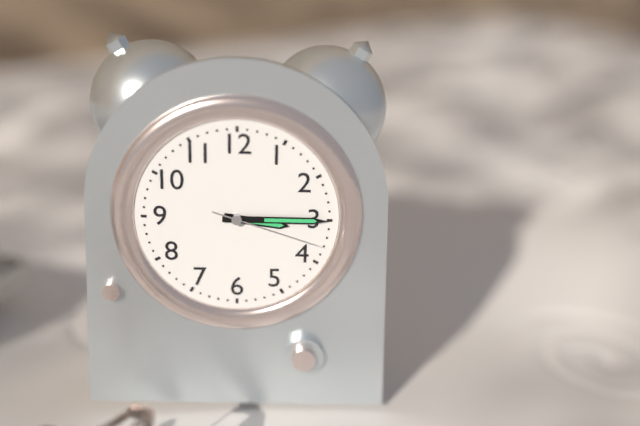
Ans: 3:15:18
